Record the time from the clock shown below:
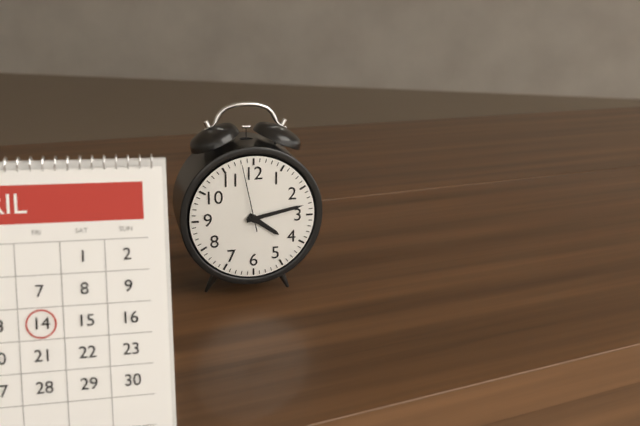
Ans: 4:13:58
